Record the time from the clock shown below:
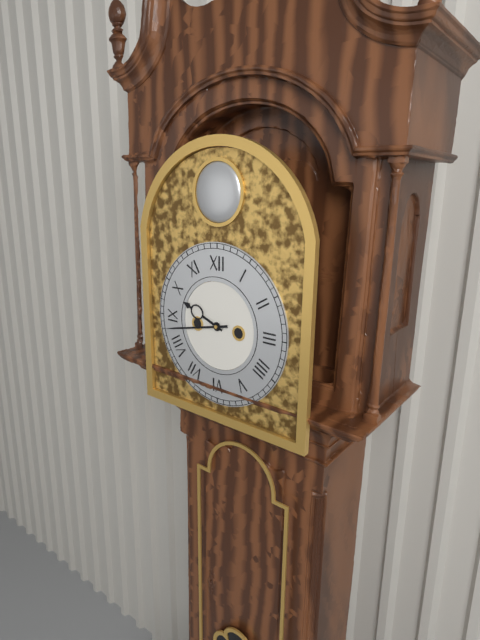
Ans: 9:43
